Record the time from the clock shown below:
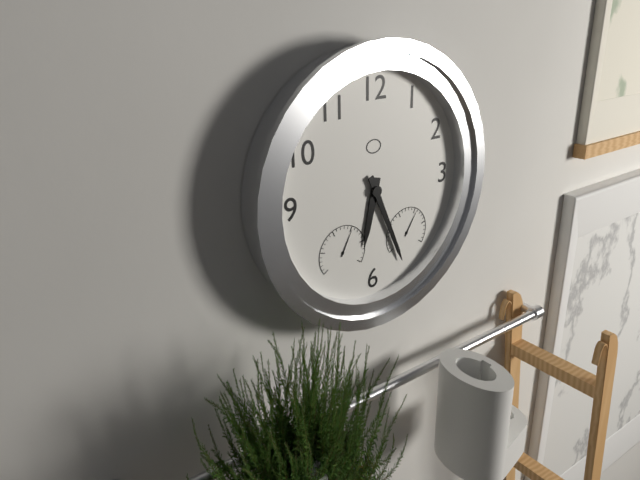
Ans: 6:26
